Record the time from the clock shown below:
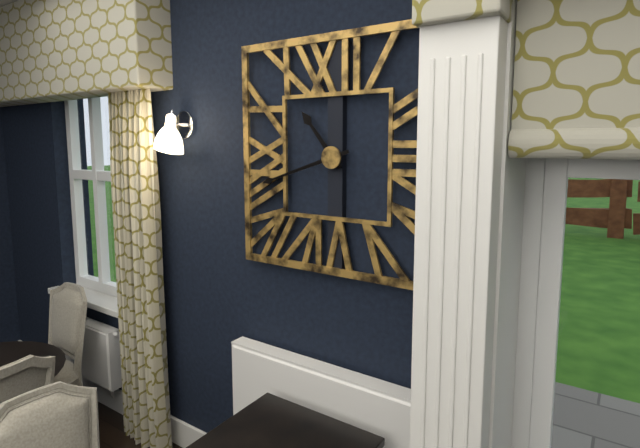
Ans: 10:42
